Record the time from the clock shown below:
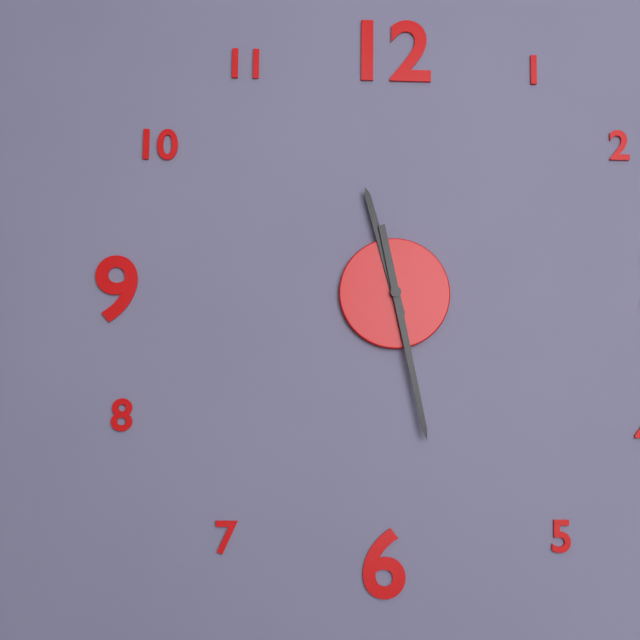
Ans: 11:28
